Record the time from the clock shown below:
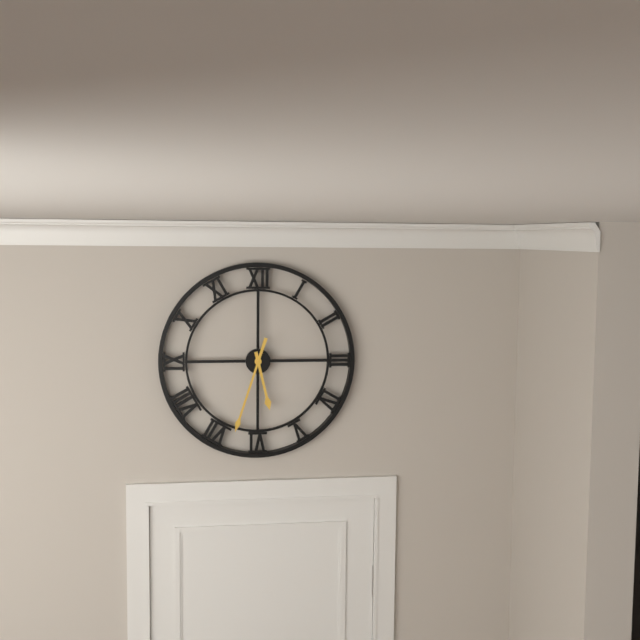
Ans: 5:33
